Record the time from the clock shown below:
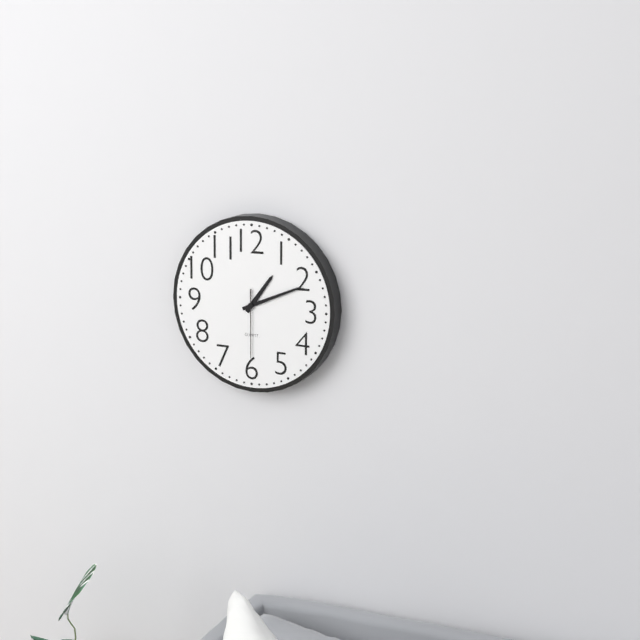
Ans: 1:11:30
